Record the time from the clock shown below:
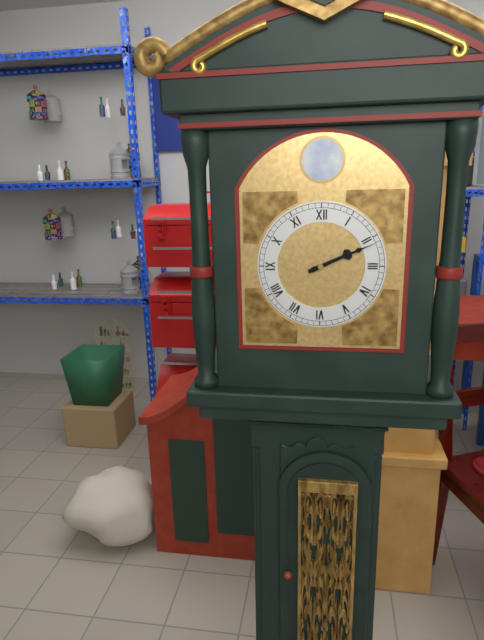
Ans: 2:11
